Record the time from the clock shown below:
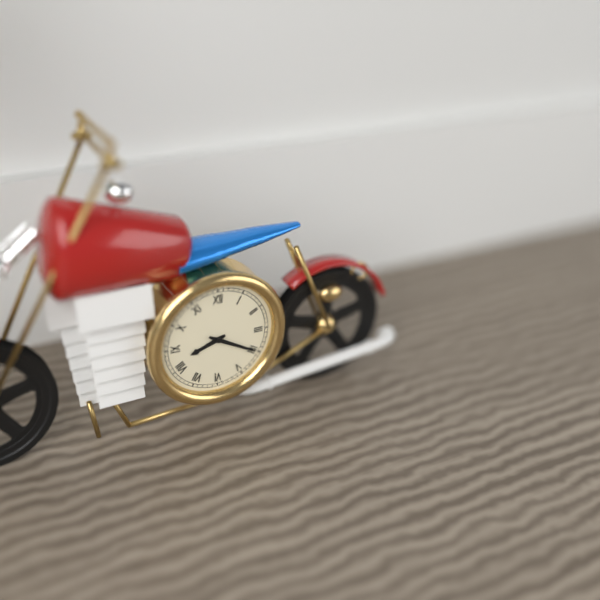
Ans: 8:20
